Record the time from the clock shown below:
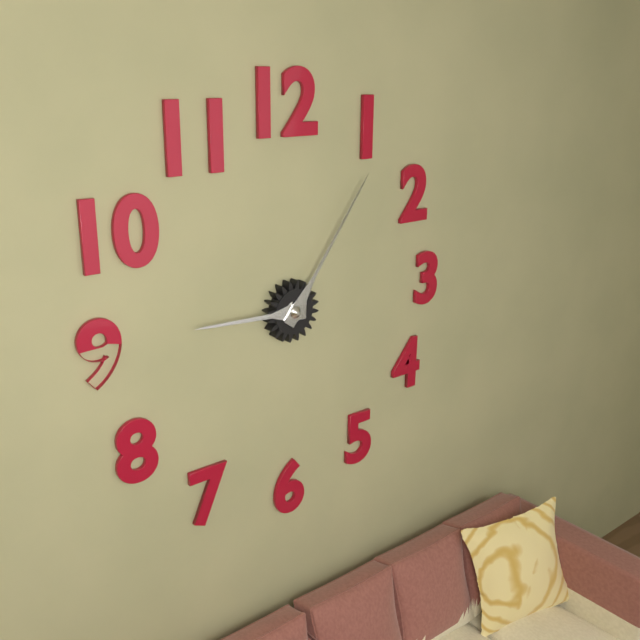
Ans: 9:06
